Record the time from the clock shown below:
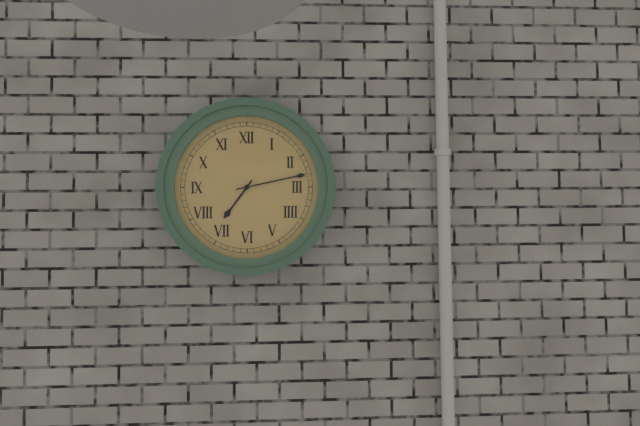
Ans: 7:13
